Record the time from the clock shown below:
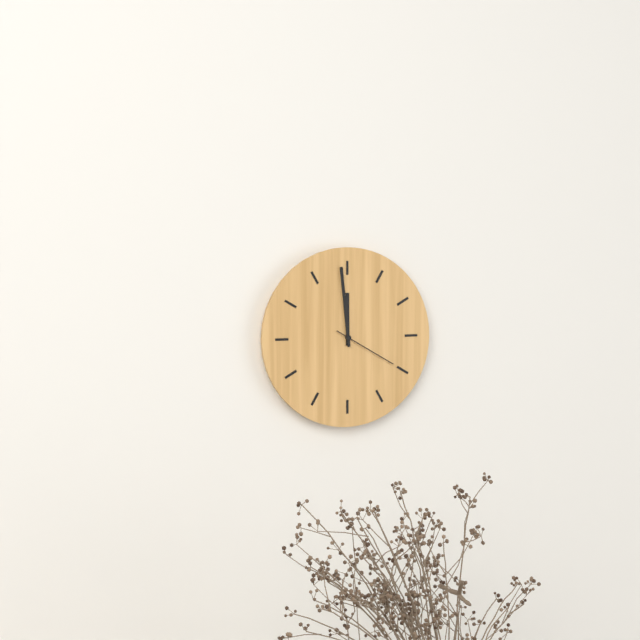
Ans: 11:59:20
